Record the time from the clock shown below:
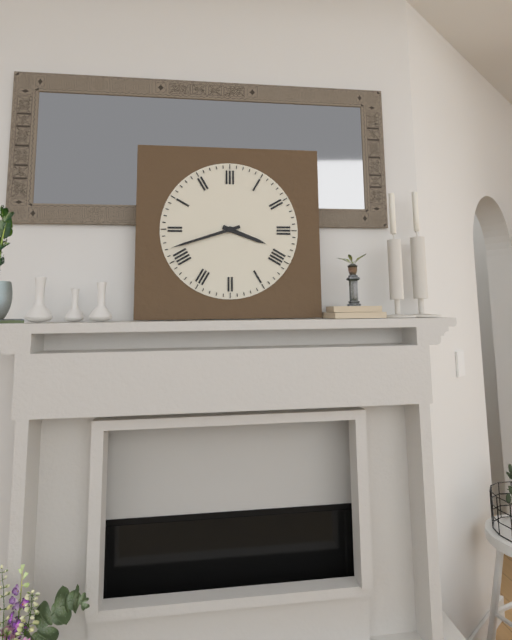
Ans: 3:42
